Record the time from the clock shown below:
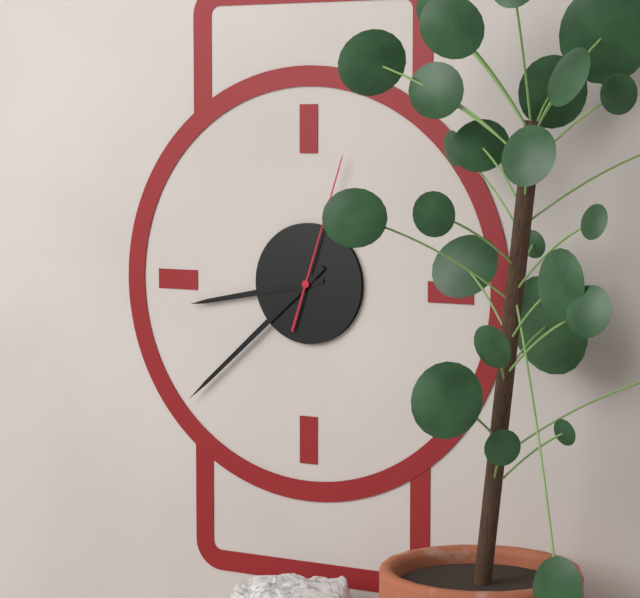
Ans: 8:38:03
